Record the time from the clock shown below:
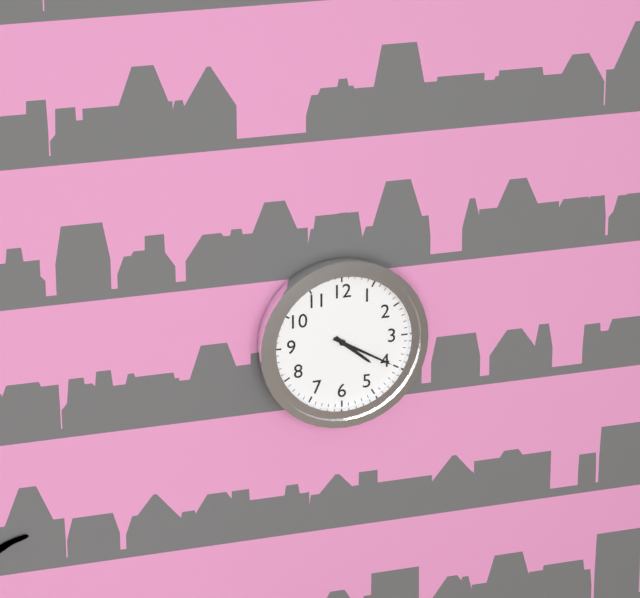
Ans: 4:20
